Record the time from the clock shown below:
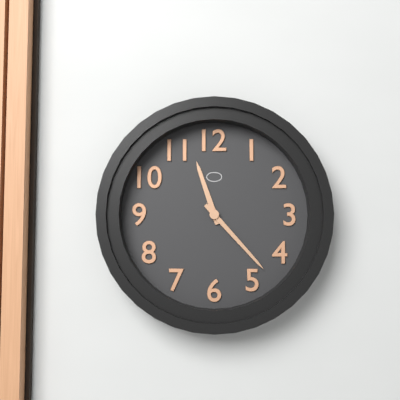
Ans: 11:23
